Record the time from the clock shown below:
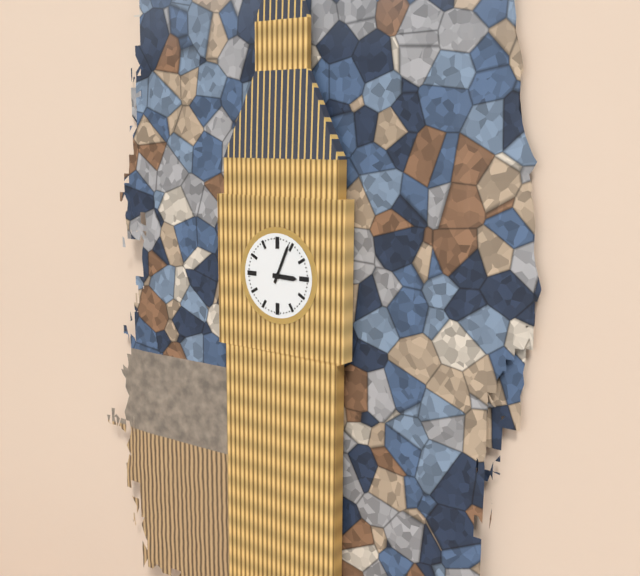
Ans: 3:04
